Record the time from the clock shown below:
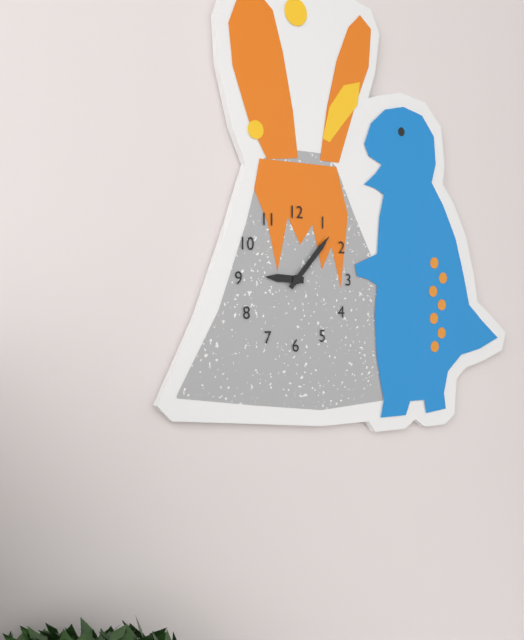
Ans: 9:07
